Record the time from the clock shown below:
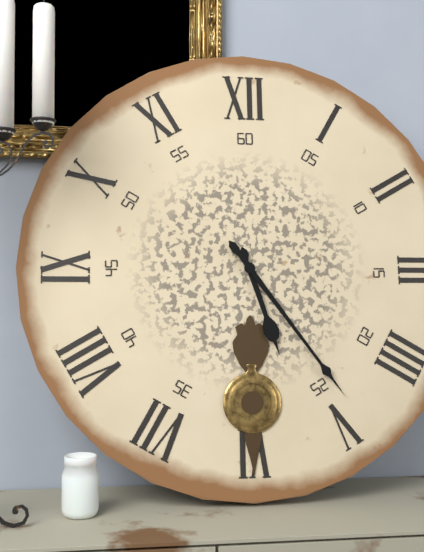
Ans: 5:24
